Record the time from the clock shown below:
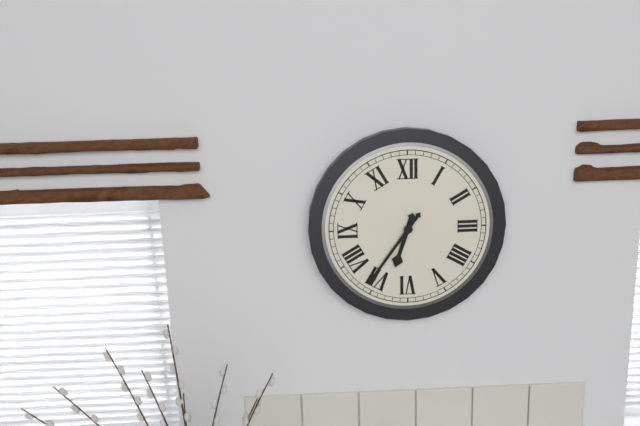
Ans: 6:36
